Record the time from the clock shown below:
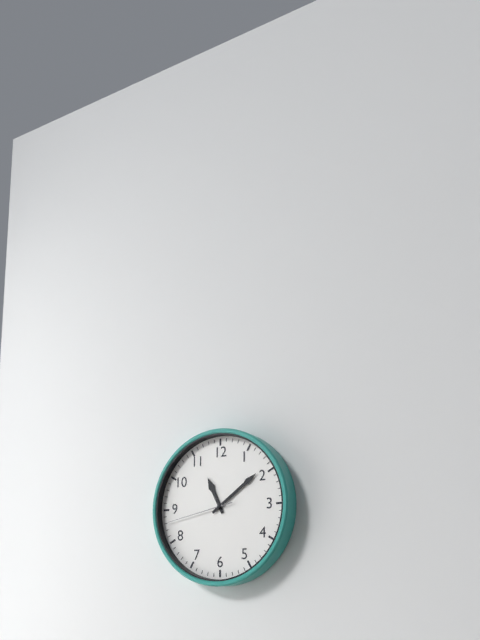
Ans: 11:09:43
